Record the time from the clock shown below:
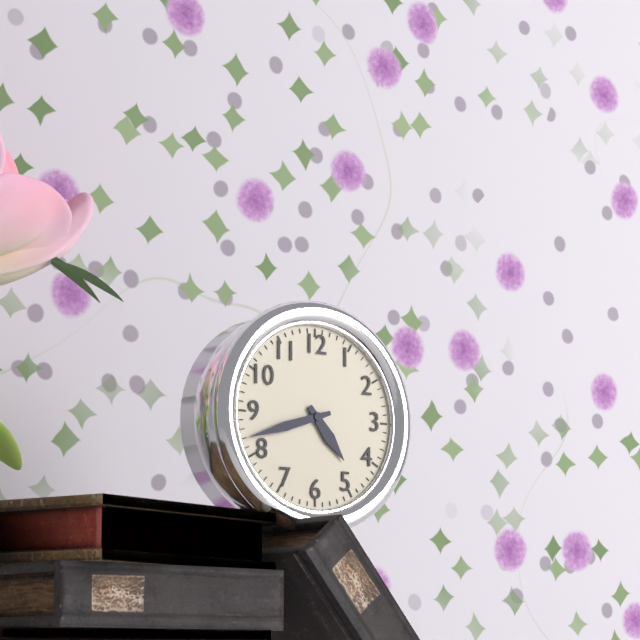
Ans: 4:42
